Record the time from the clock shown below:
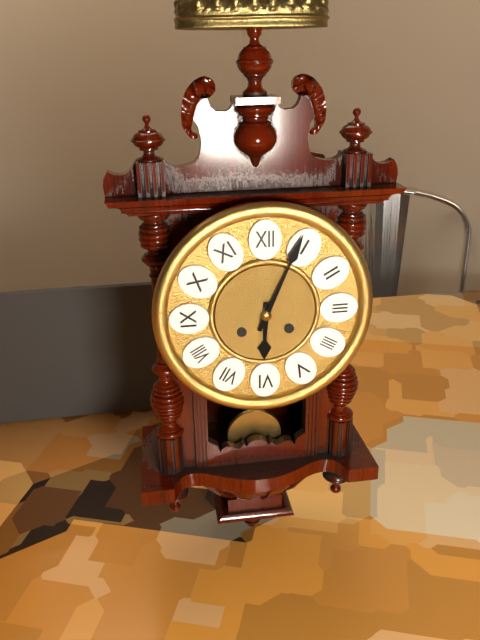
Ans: 6:04
